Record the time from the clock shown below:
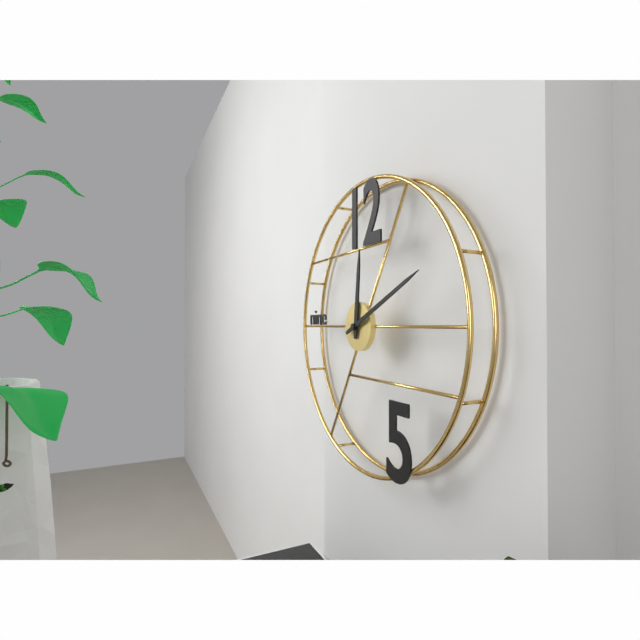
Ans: 12:11
